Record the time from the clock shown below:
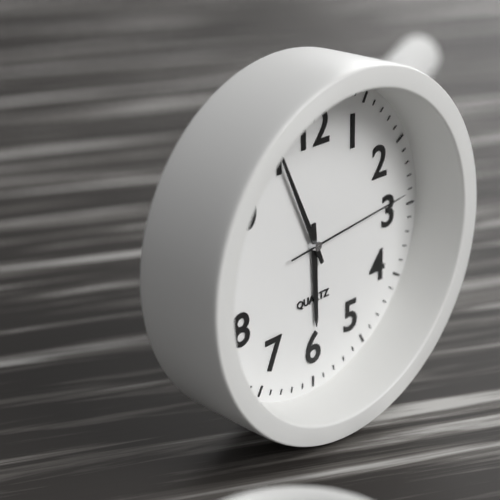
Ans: 5:56:14
